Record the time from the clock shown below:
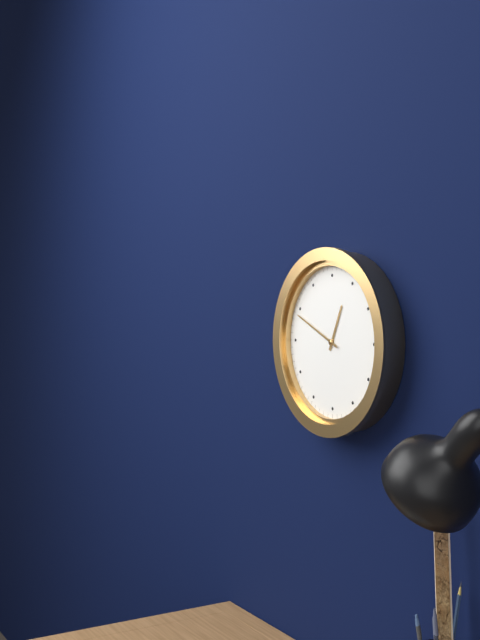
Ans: 12:49
